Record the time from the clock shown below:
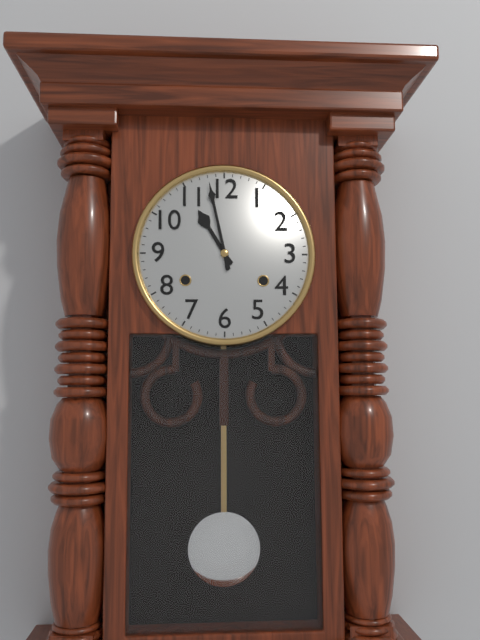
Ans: 10:58
